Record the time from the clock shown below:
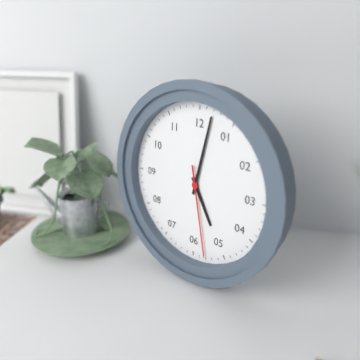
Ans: 5:02:28
